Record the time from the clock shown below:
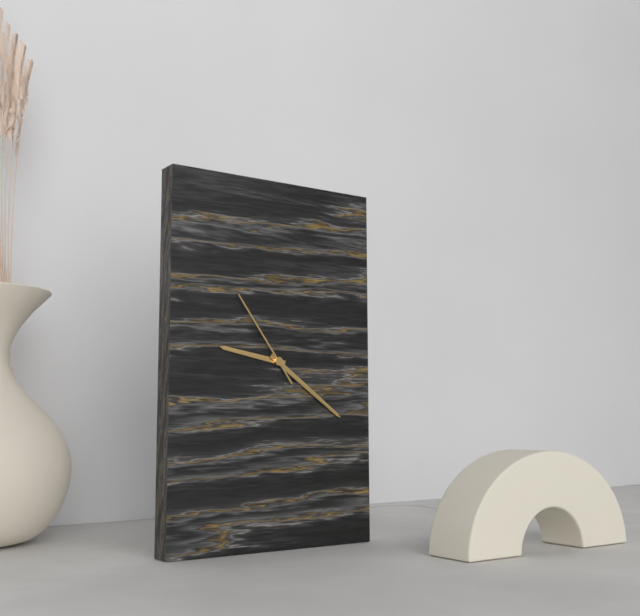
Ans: 9:21:54
